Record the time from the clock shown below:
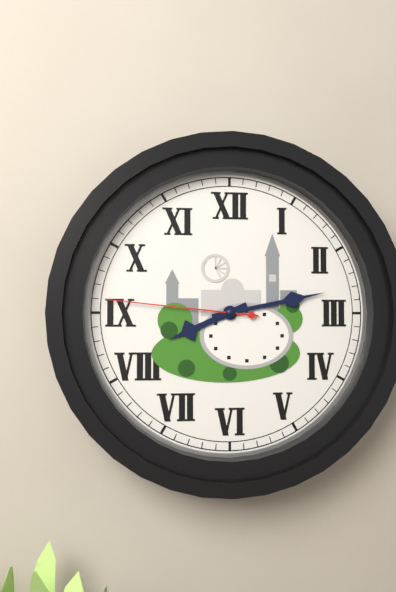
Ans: 8:13:46
